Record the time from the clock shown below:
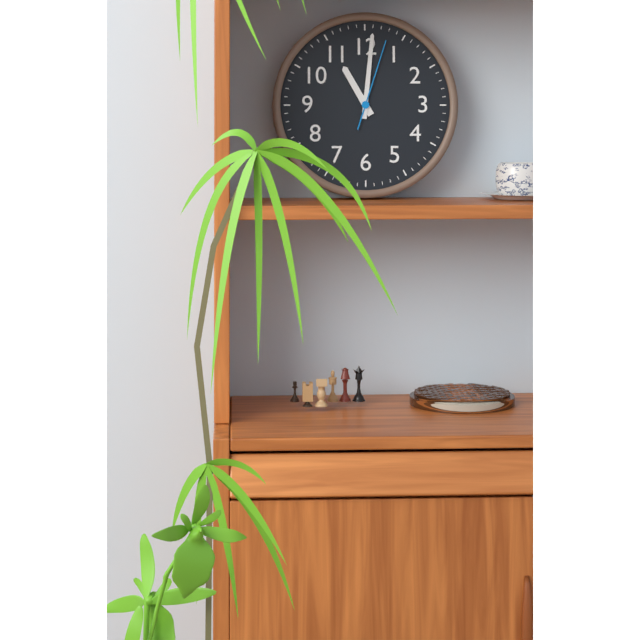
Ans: 11:01:03
